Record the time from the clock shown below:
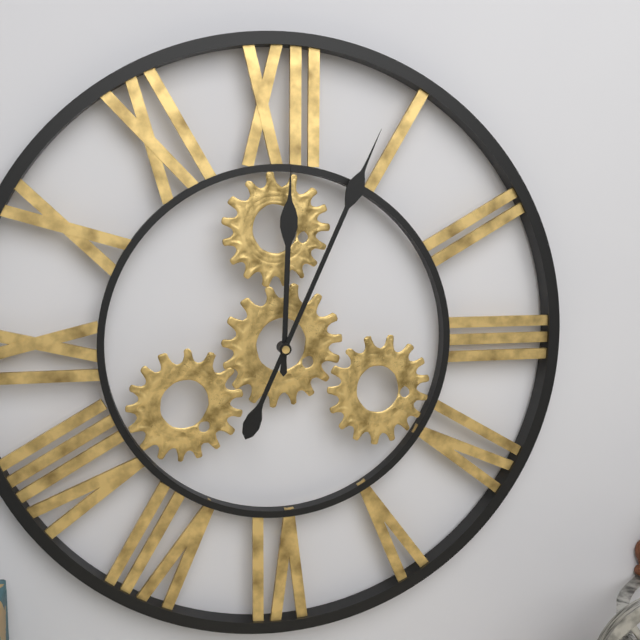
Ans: 12:04
